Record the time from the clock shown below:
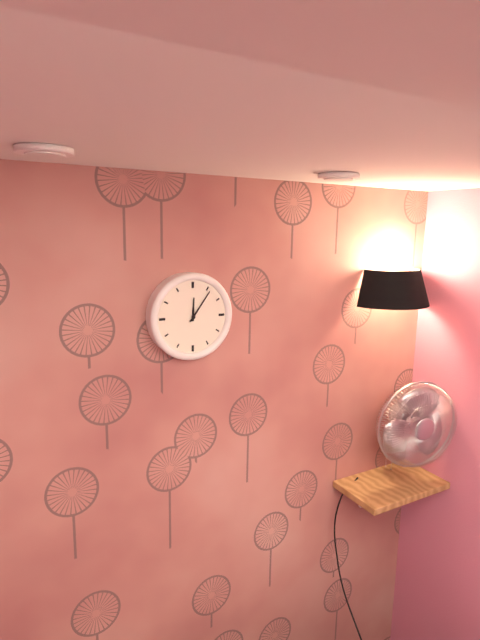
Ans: 12:06
